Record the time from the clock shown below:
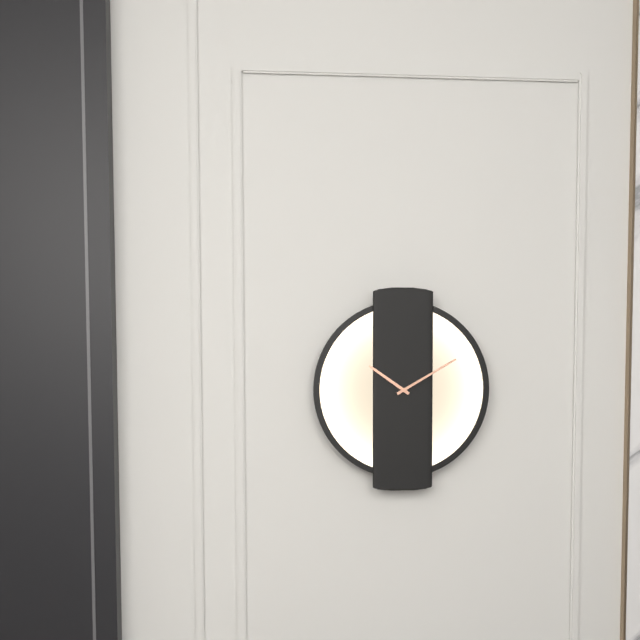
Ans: 10:10
